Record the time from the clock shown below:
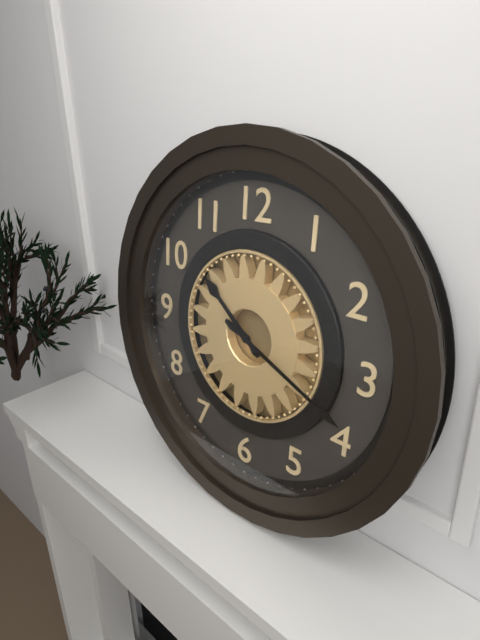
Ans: 10:19
